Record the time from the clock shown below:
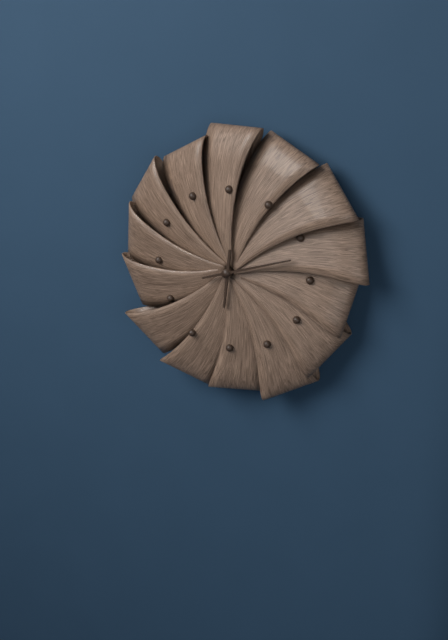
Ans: 6:12
